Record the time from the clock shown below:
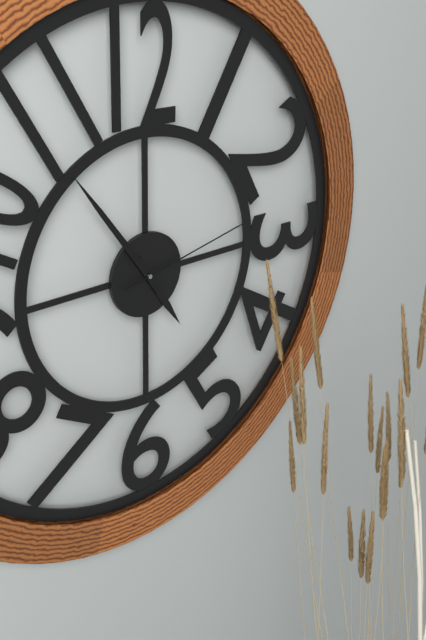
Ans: 4:54:13
